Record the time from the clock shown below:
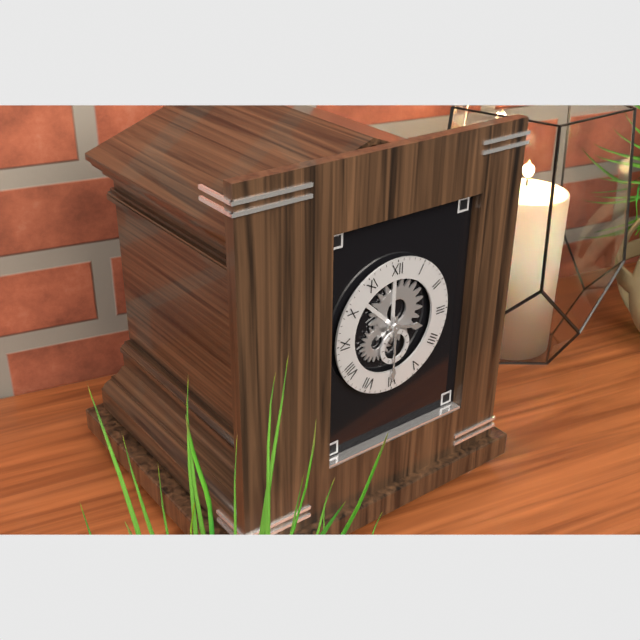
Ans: 3:30
